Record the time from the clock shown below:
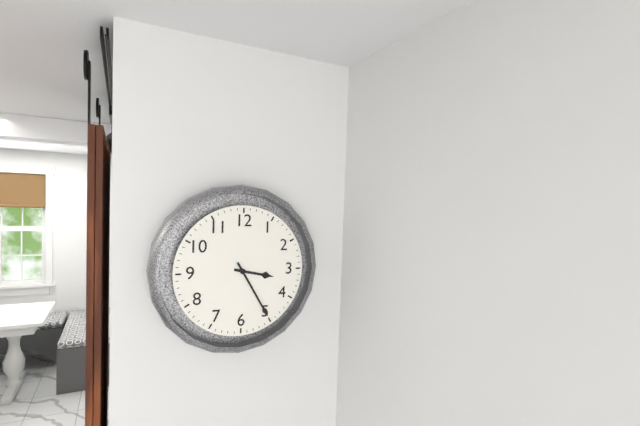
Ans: 3:25
